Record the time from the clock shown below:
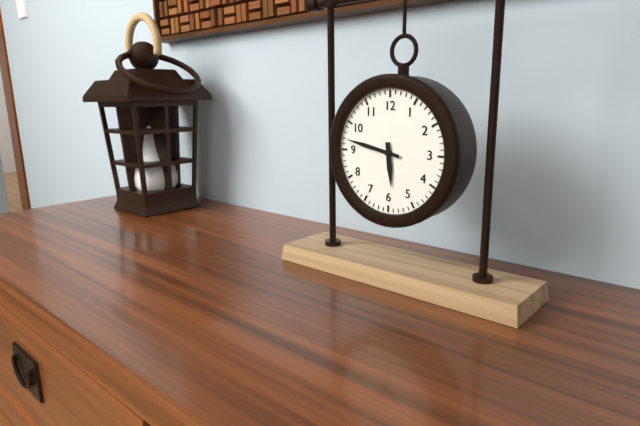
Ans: 5:47
